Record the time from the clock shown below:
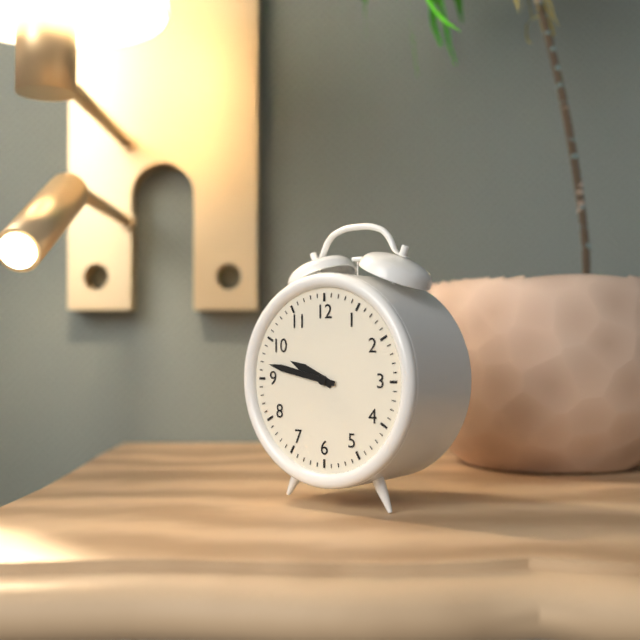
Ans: 9:47
